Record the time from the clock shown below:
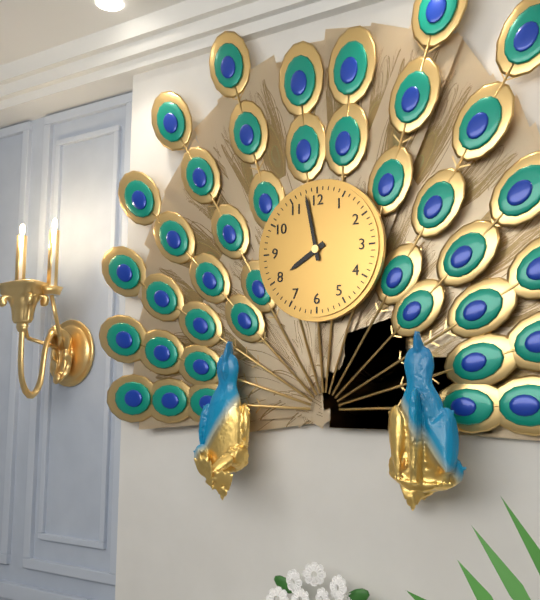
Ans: 7:58
